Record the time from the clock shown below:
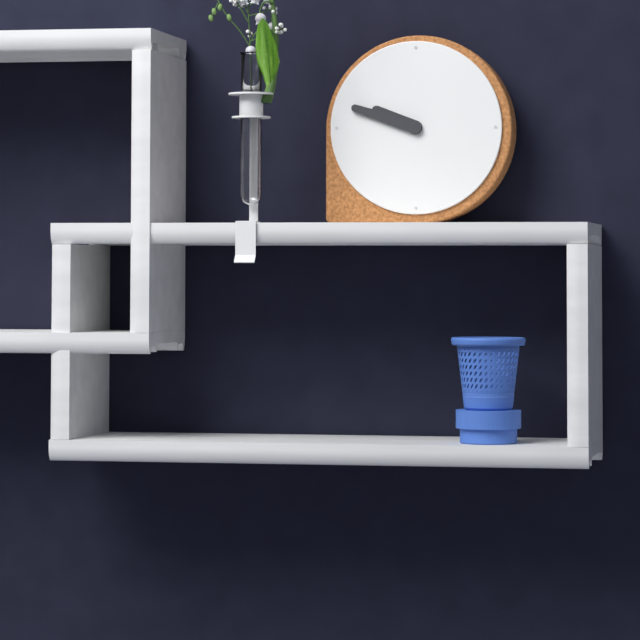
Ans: 9:48
